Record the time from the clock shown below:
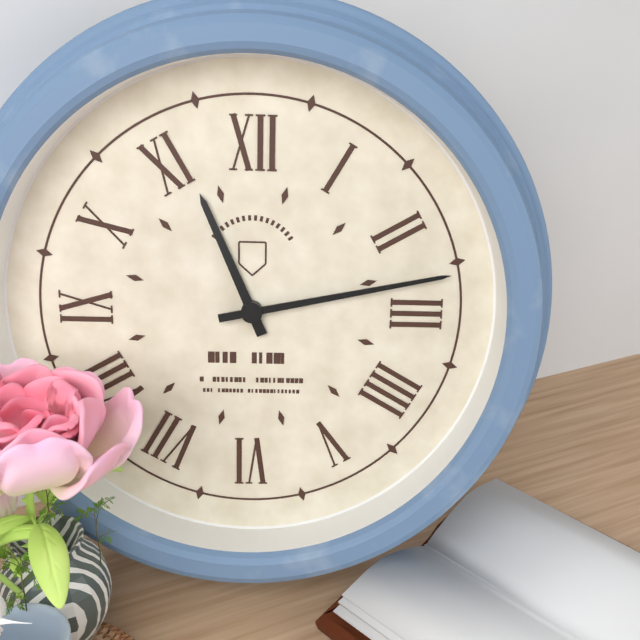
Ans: 11:13
